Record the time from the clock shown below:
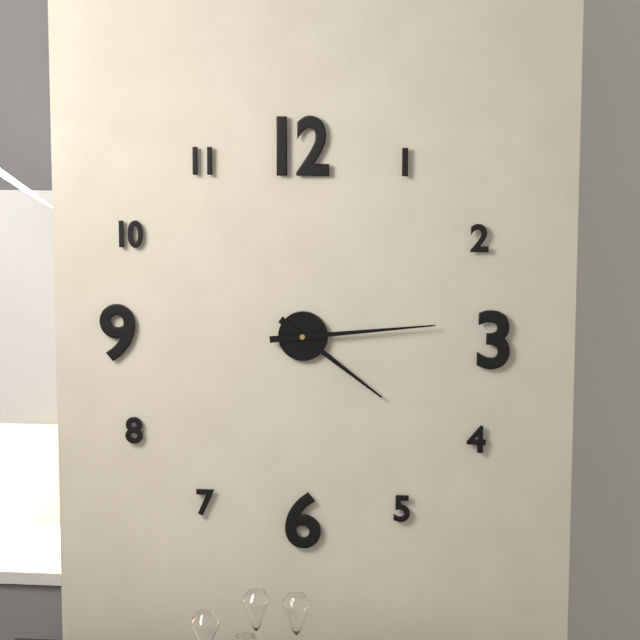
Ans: 4:14
